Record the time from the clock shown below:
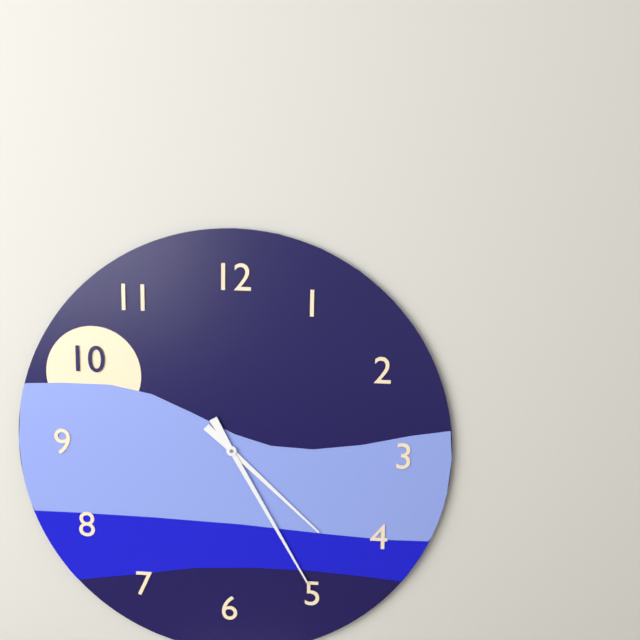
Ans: 4:25
